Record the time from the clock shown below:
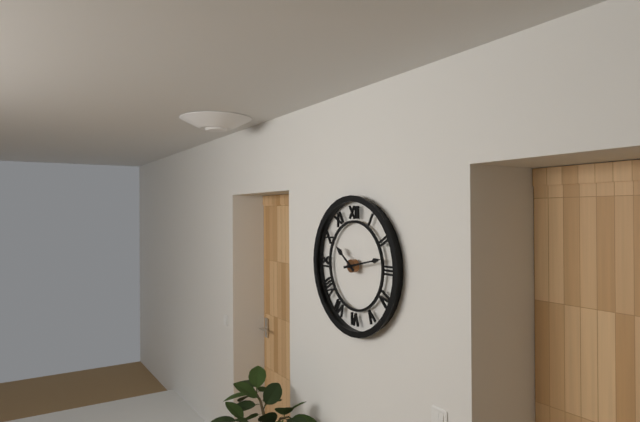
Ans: 10:13
